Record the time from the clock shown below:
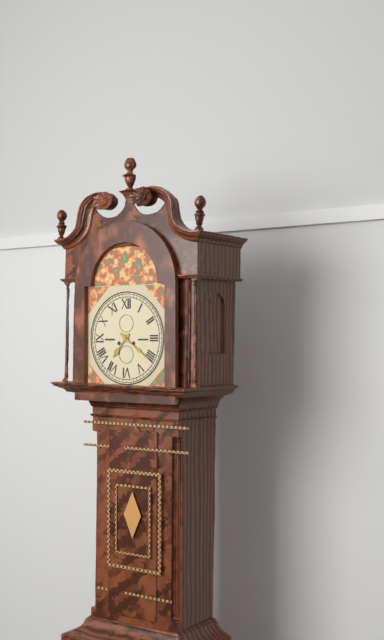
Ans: 7:21
